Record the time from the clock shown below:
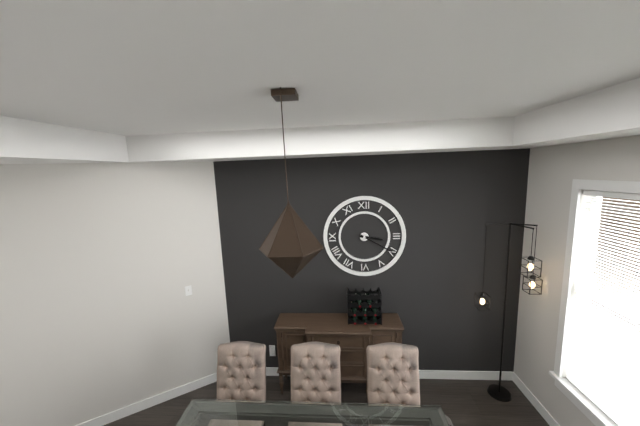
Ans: 3:20
